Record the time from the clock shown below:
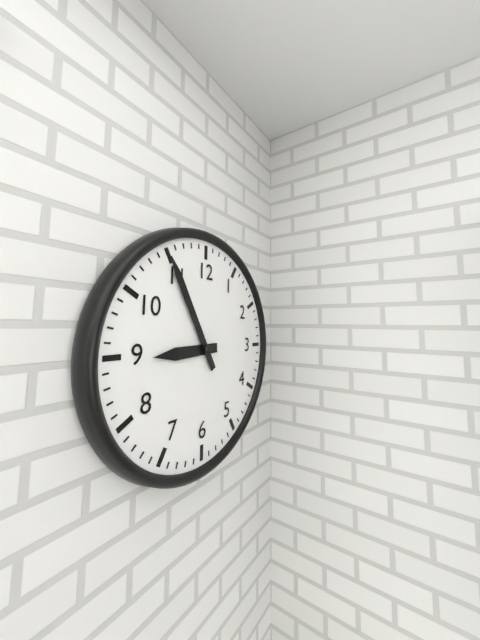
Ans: 8:55
